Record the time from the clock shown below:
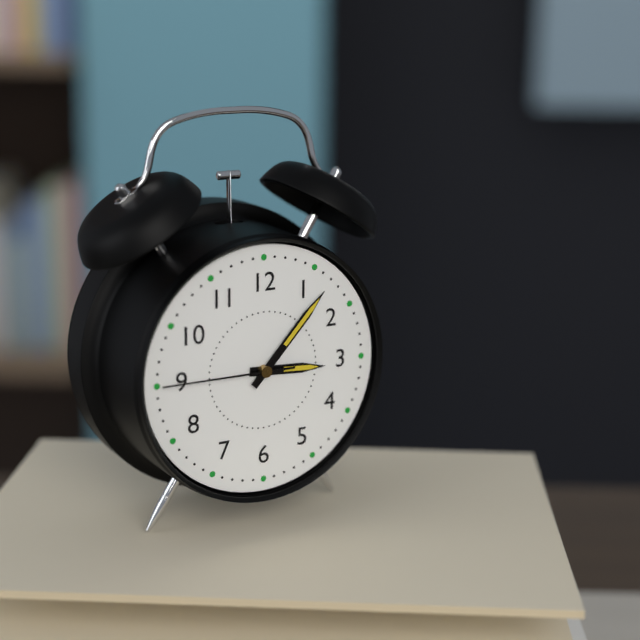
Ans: 3:07:45
